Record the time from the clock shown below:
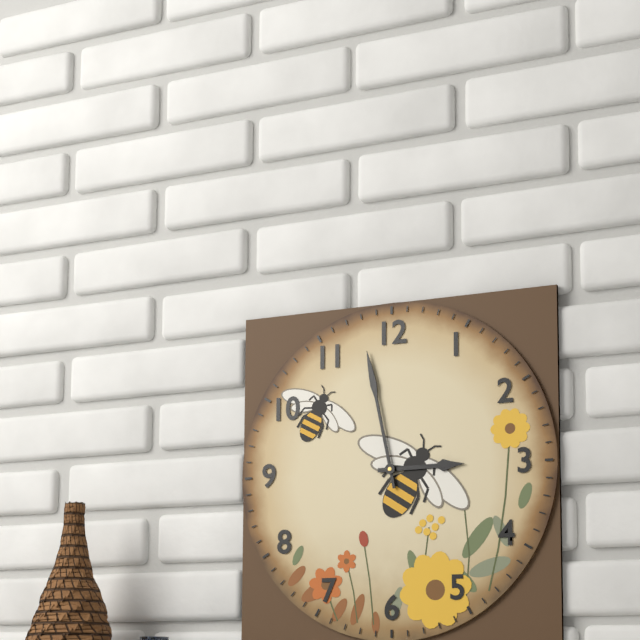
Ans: 2:58
